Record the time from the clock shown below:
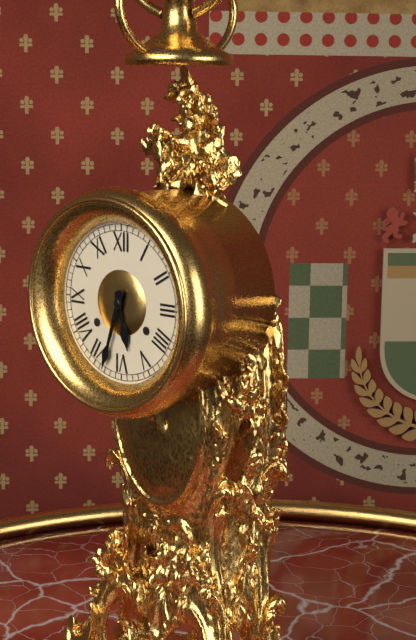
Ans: 5:33
